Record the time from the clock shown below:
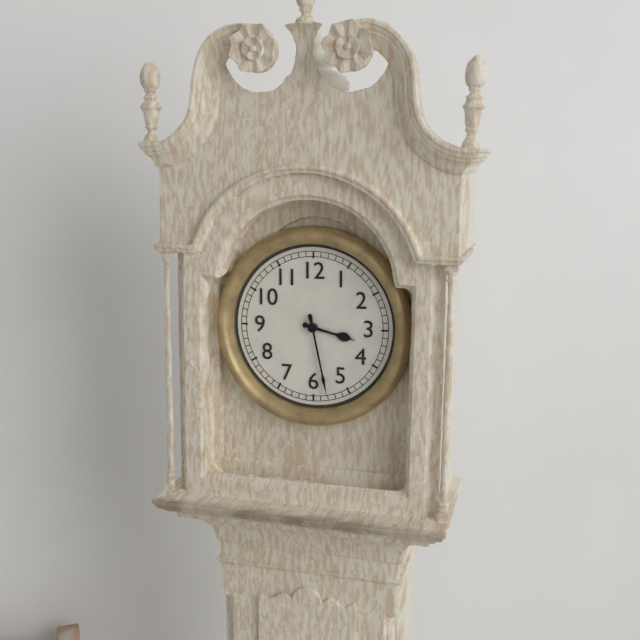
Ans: 3:28
